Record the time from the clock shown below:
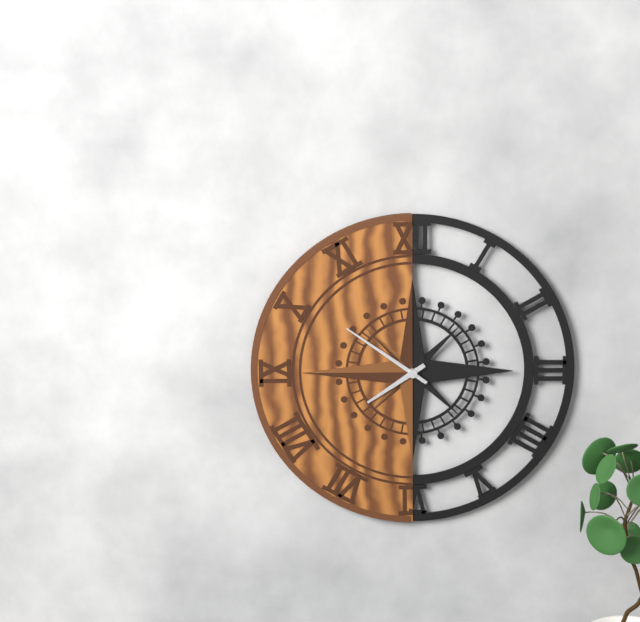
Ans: 7:51
